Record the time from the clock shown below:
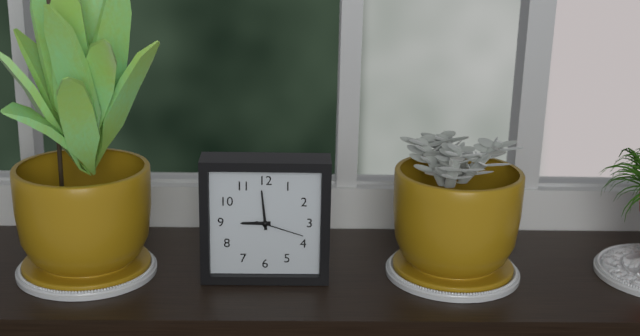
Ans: 8:59
